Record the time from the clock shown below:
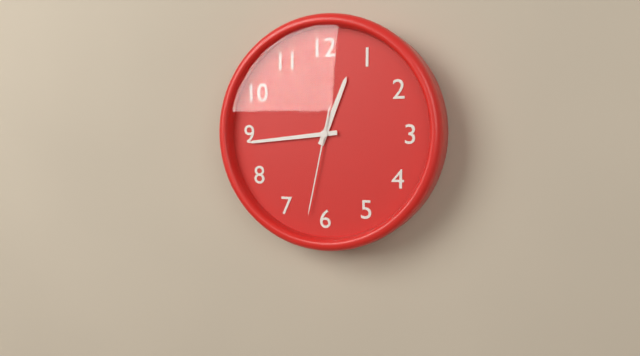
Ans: 12:44:32
